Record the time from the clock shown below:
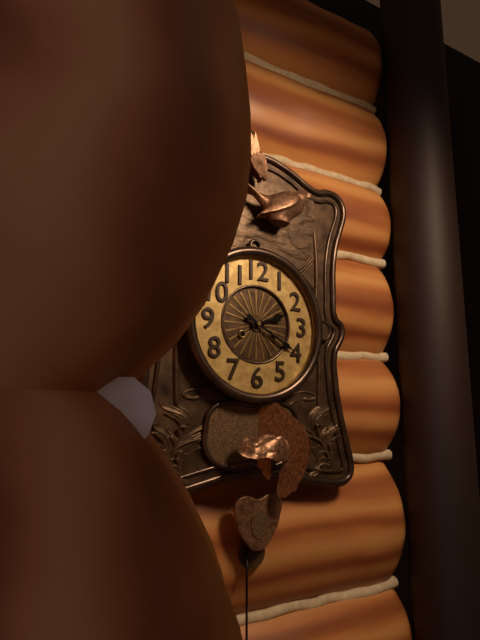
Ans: 2:20
